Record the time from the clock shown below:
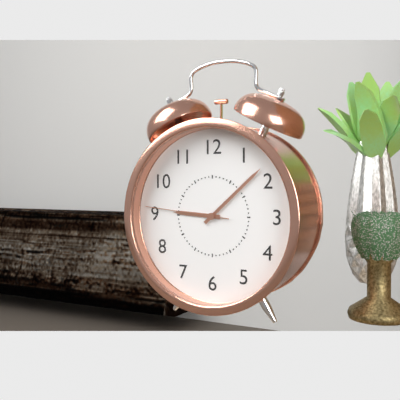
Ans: 9:08:46
